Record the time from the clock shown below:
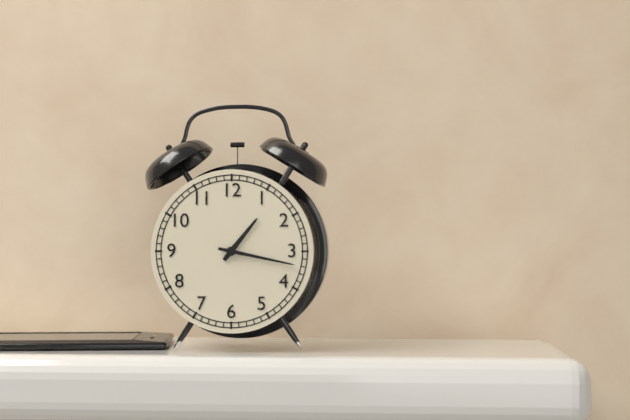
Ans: 1:17
